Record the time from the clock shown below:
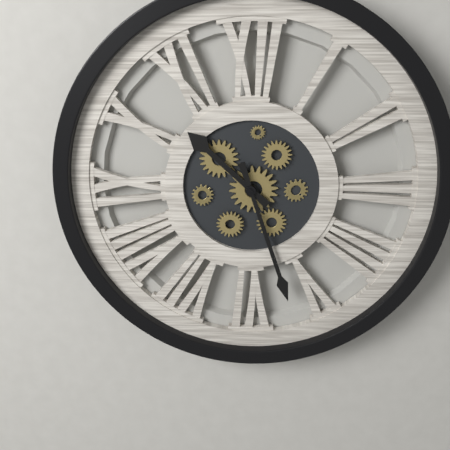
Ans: 10:27
